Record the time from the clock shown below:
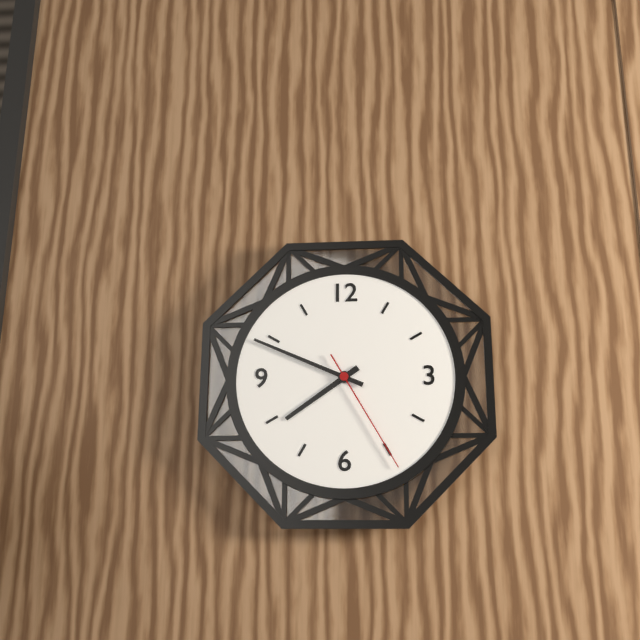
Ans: 7:49:25
